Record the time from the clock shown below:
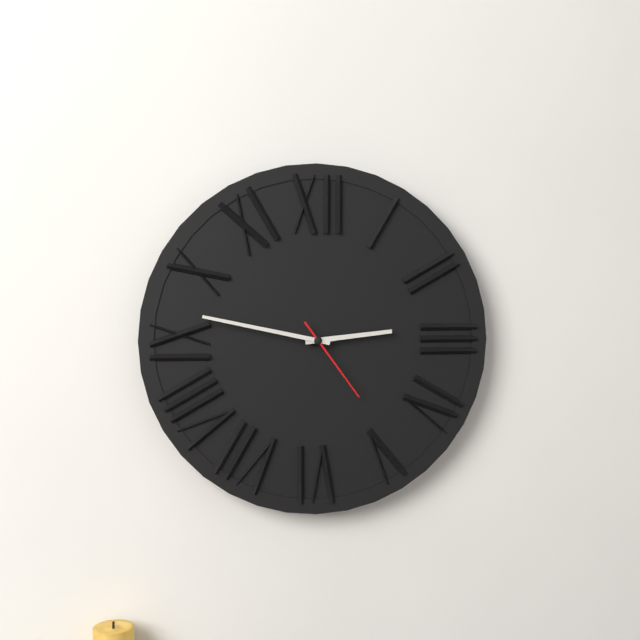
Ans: 2:47:24
